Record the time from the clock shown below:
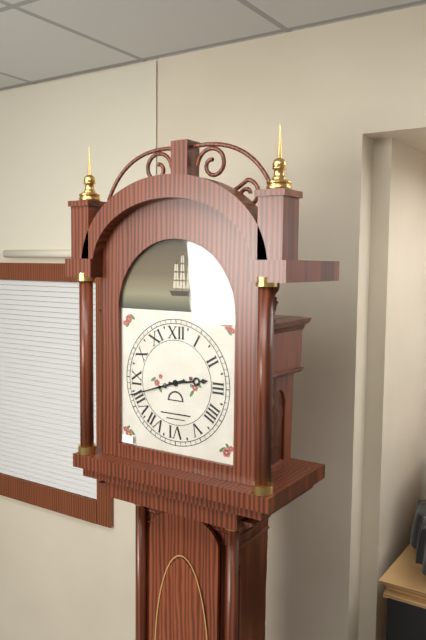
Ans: 2:42
